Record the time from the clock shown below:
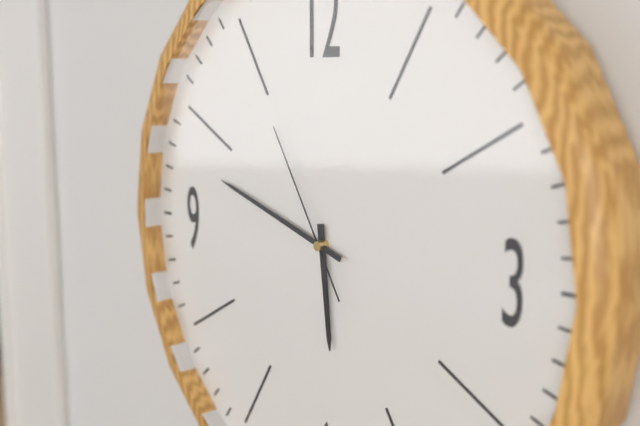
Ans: 5:48:55
